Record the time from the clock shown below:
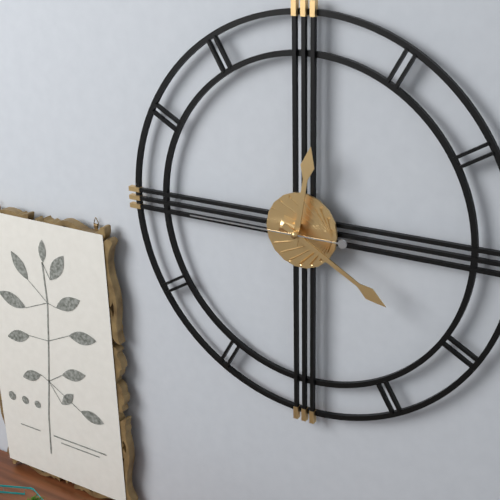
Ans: 12:20:45
